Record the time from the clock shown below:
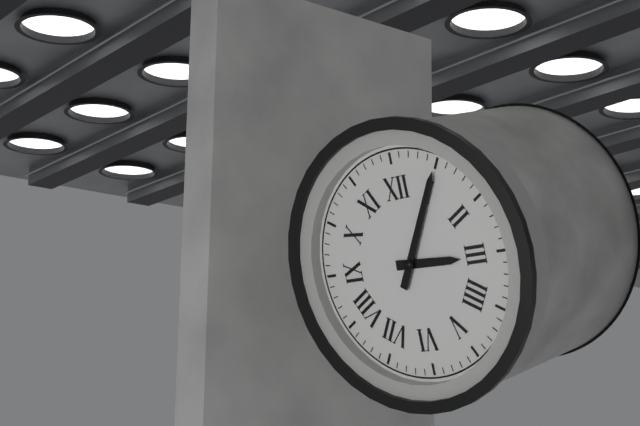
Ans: 3:05
